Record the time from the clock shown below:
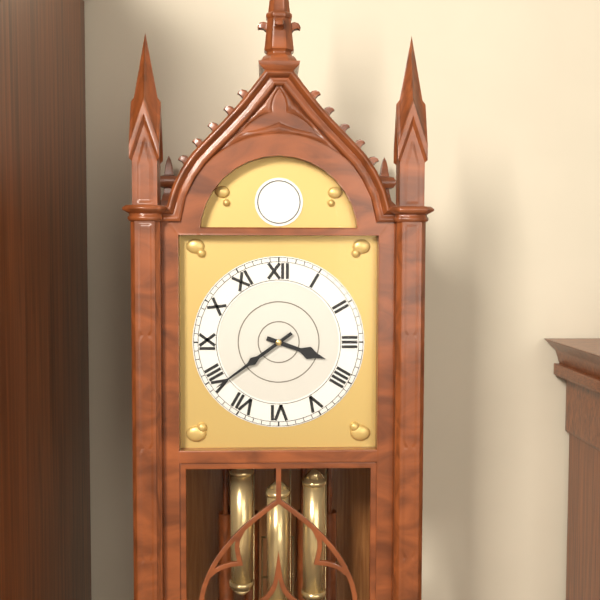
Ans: 3:39
